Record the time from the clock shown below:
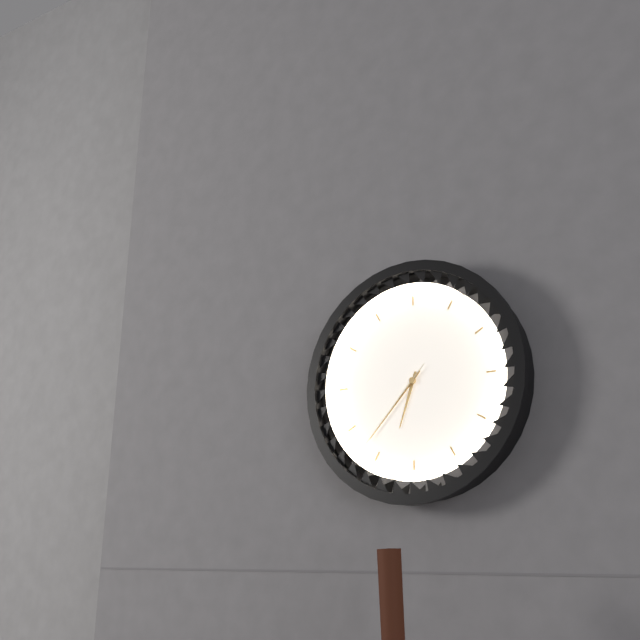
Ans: 6:37:37
